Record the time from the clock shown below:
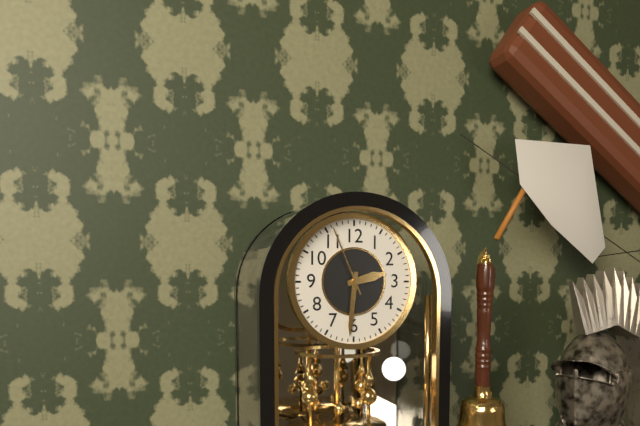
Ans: 2:31:56
